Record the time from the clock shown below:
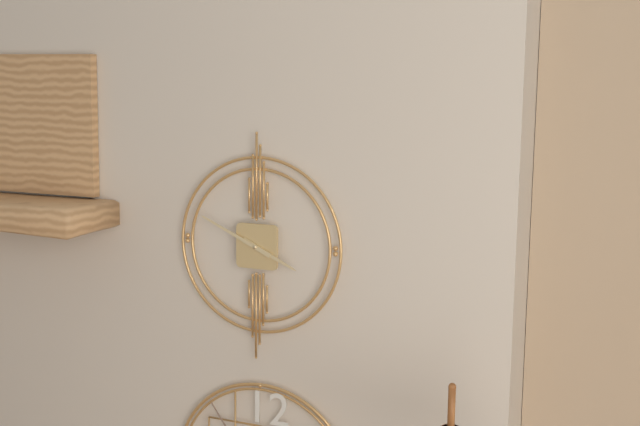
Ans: 3:49
